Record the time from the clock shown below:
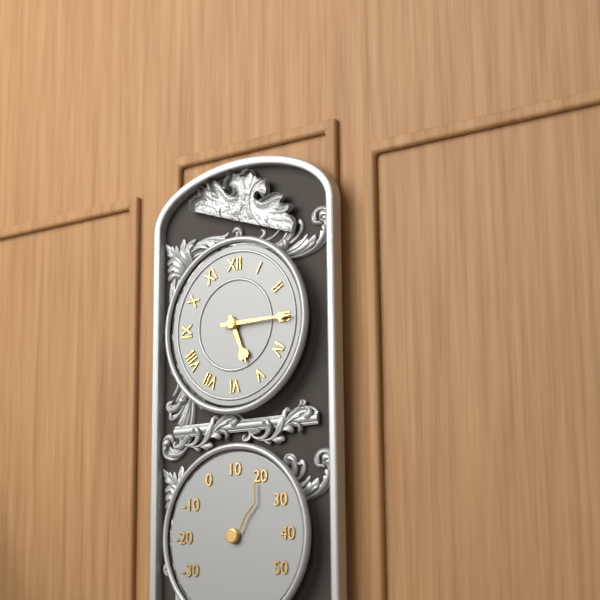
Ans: 5:15
